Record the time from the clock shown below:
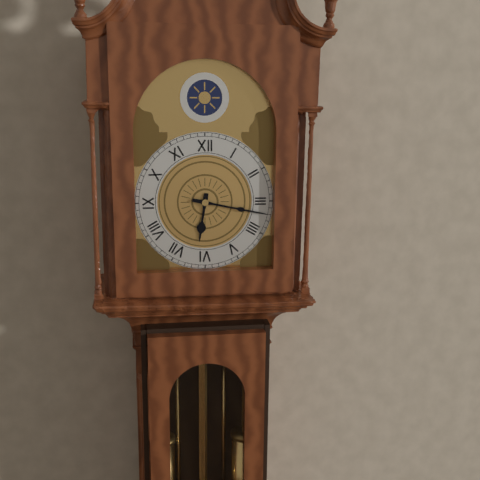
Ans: 6:17
